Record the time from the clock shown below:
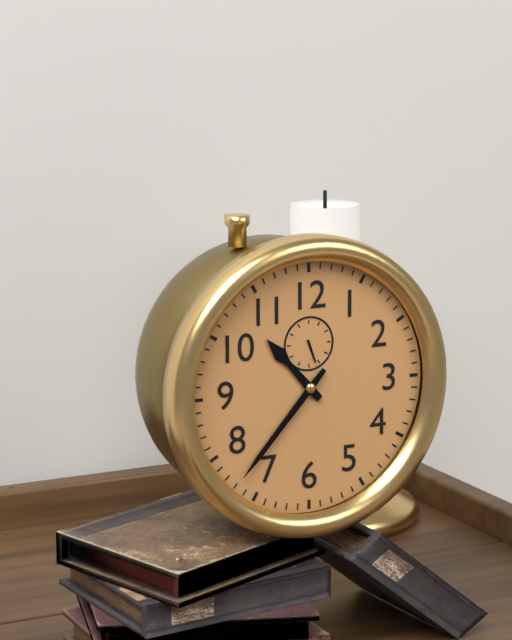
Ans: 10:37
